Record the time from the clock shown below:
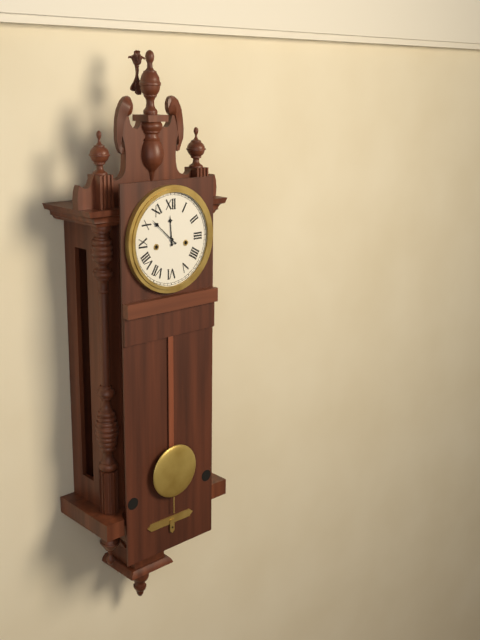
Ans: 11:52
